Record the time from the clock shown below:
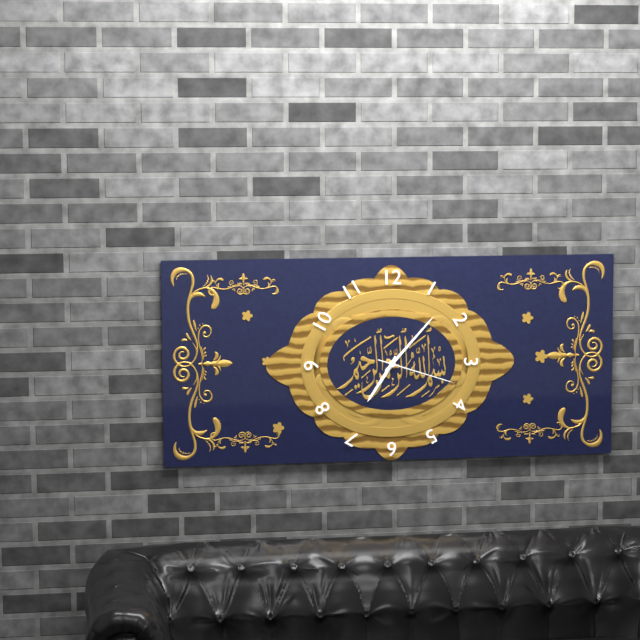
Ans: 7:07:18
